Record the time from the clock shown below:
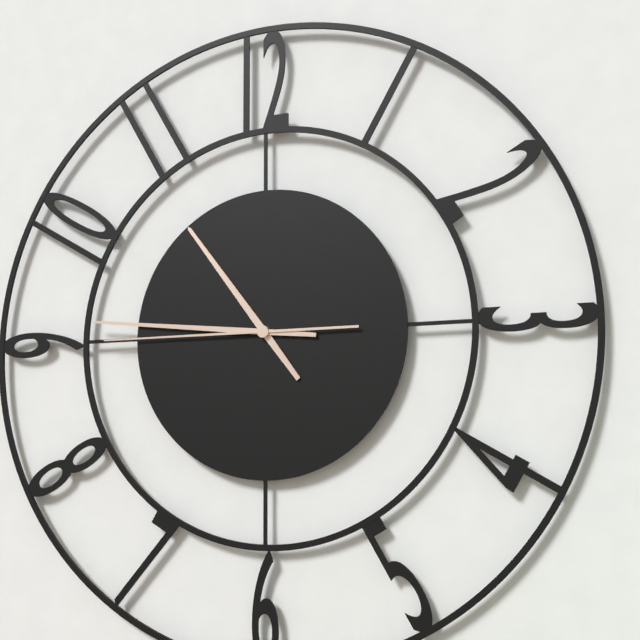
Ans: 10:46:45
